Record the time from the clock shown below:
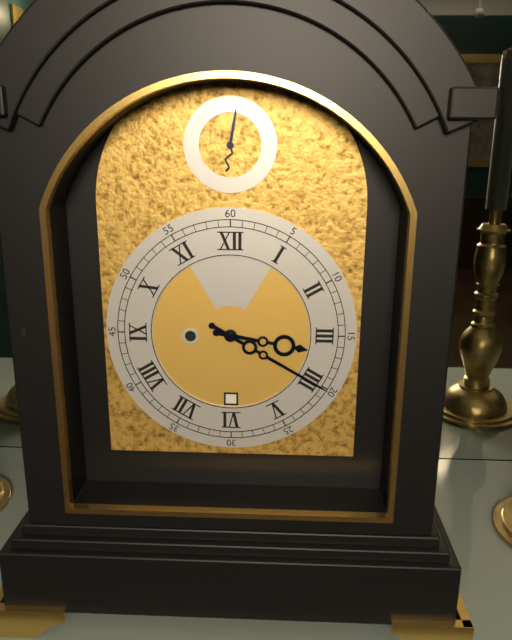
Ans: 3:20
